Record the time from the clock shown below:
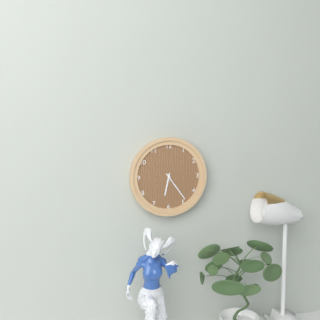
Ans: 6:24
